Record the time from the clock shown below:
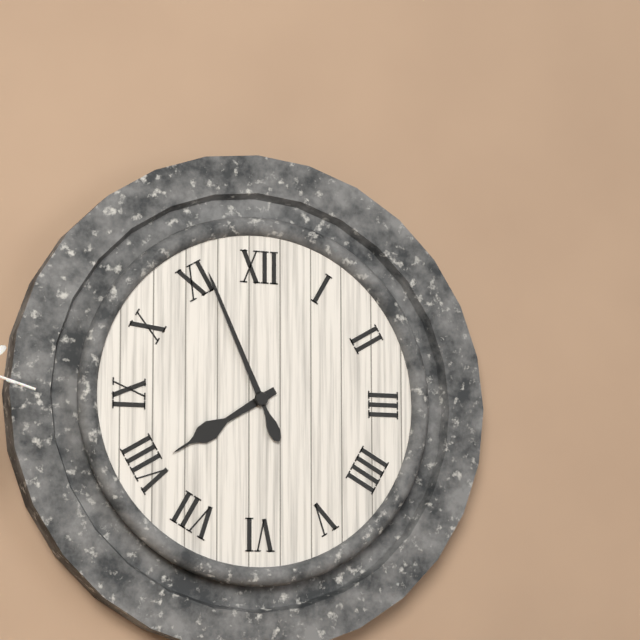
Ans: 7:56
